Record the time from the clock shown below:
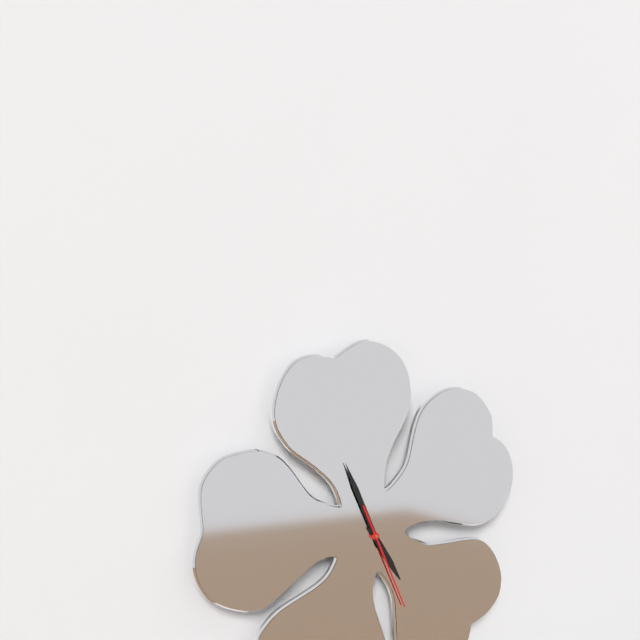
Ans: 4:56:26
